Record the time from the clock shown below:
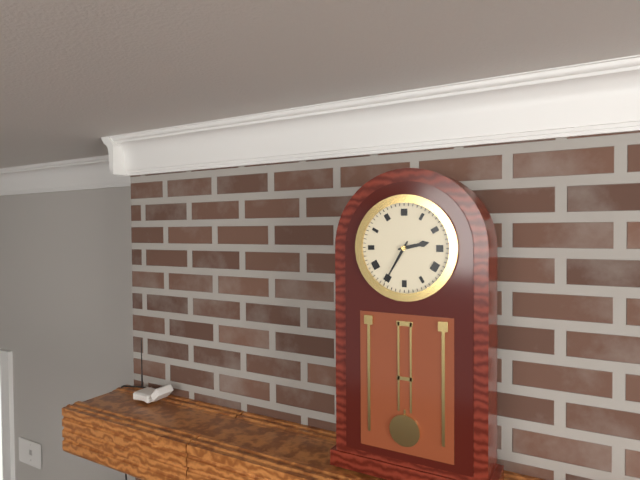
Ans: 2:35
